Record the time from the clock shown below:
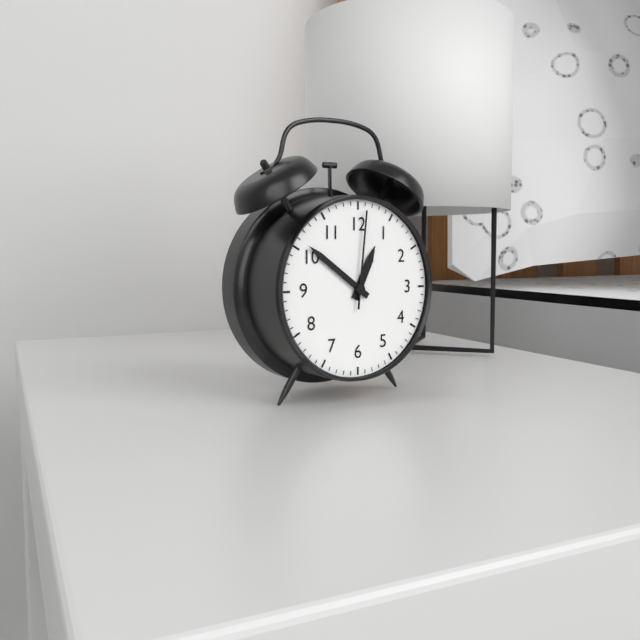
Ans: 12:51:01
